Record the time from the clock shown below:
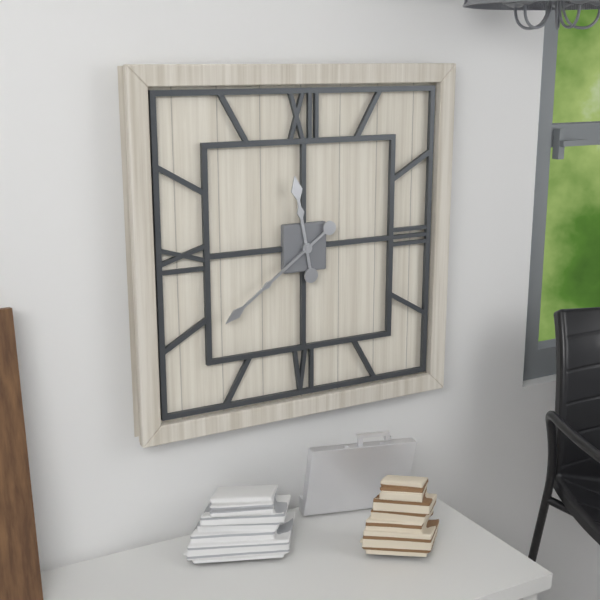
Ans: 11:39
